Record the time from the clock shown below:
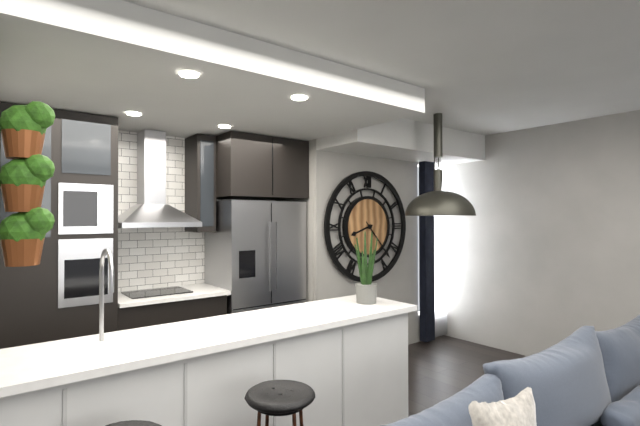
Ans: 8:23
